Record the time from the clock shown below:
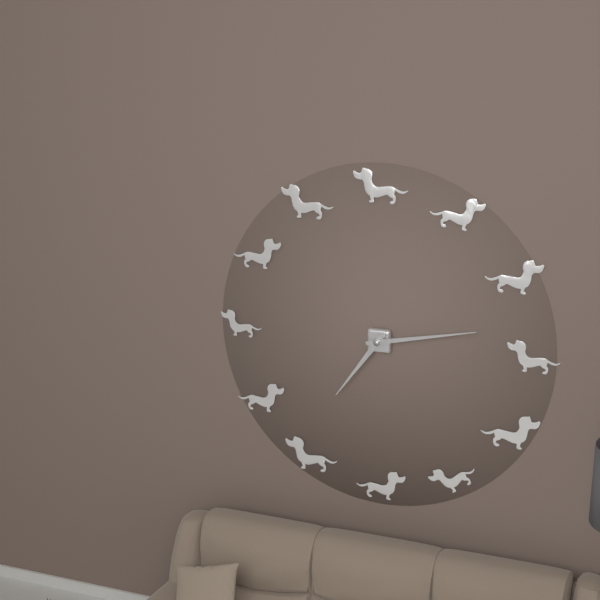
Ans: 7:13
